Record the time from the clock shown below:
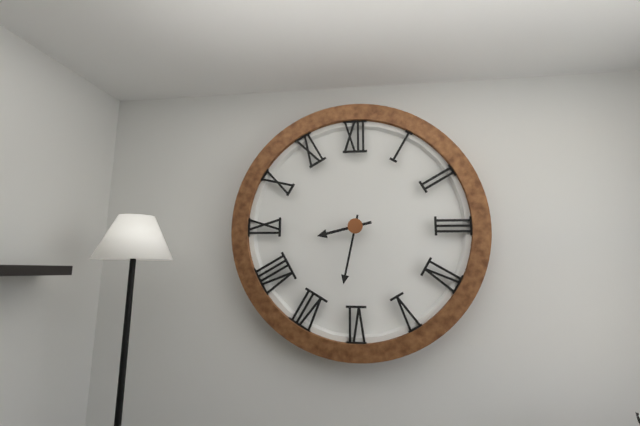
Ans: 8:32
